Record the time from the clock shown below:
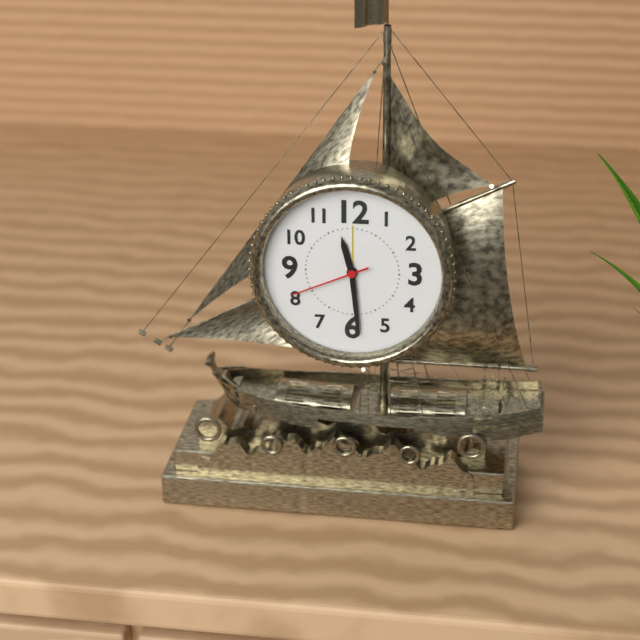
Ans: 11:29:41
